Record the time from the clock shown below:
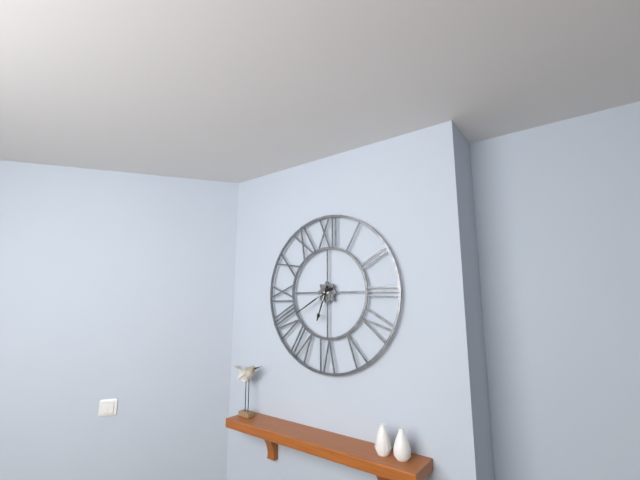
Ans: 6:40
